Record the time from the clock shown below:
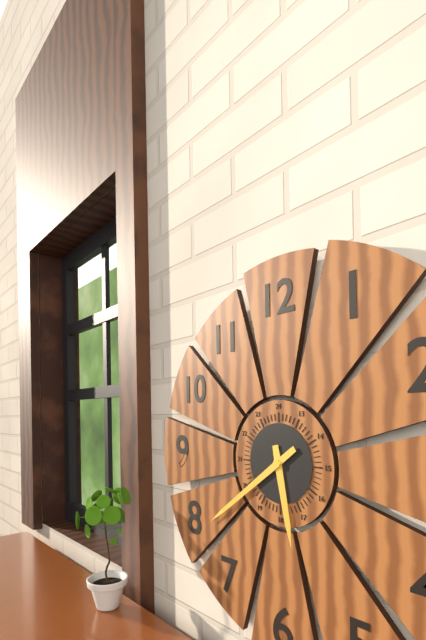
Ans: 5:39
